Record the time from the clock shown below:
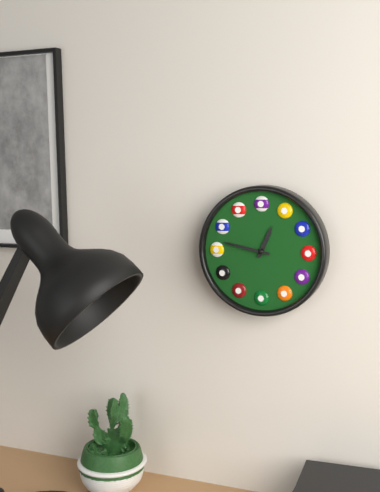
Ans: 12:47
